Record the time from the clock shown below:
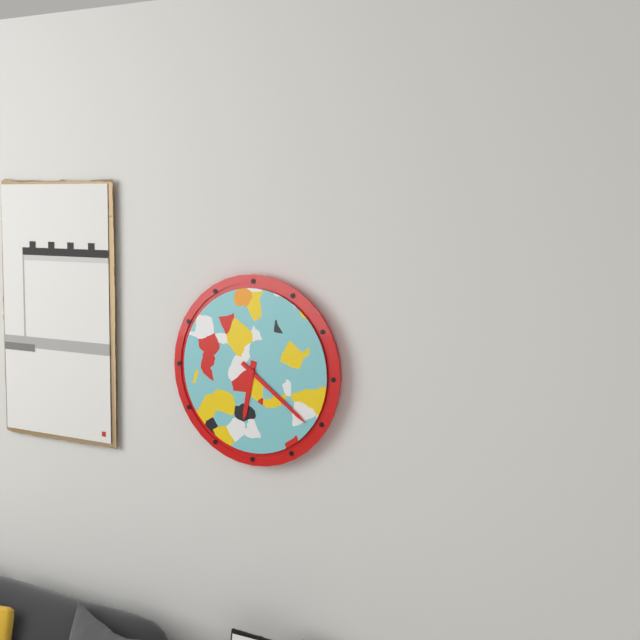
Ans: 6:21
